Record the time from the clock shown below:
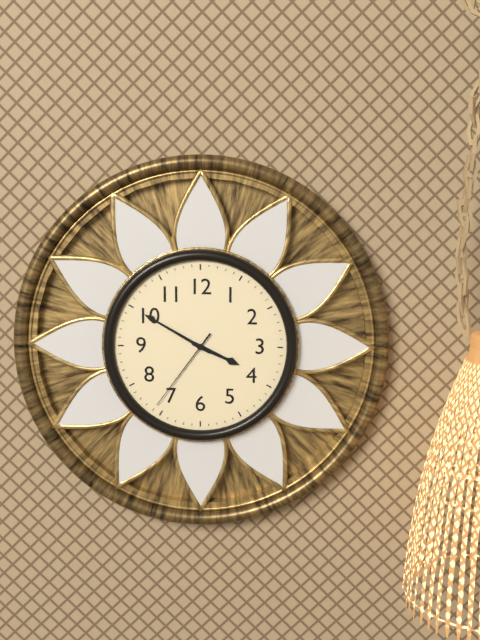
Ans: 3:50:36
